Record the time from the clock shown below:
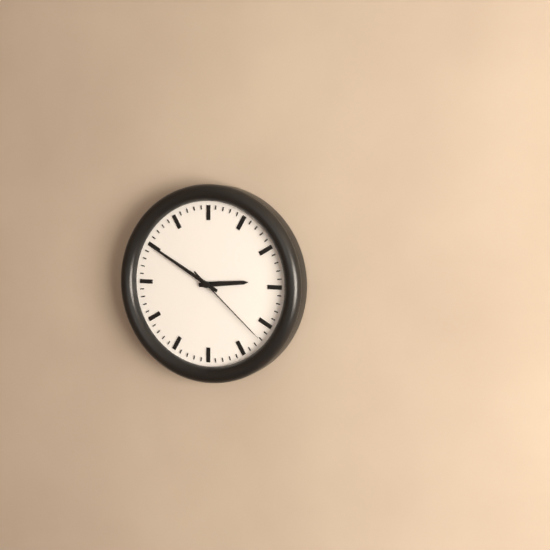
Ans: 2:50:22
